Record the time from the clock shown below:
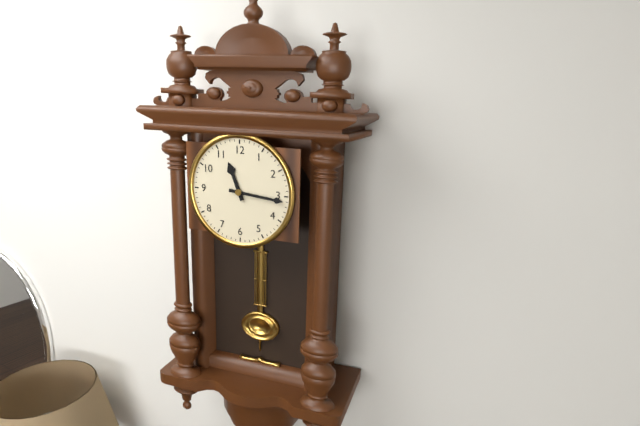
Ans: 11:16
